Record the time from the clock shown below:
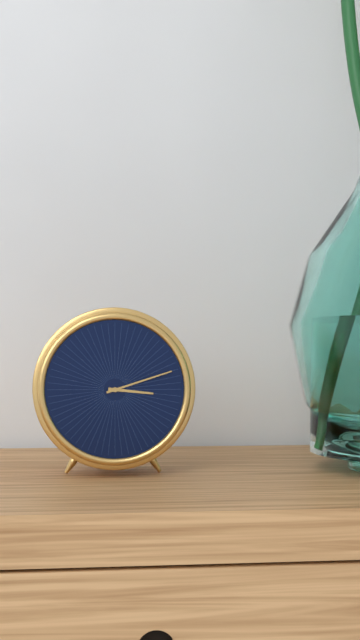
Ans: 3:12
